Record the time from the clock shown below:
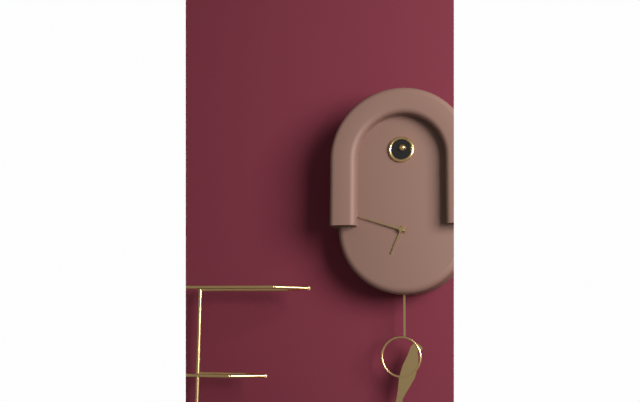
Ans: 6:48
